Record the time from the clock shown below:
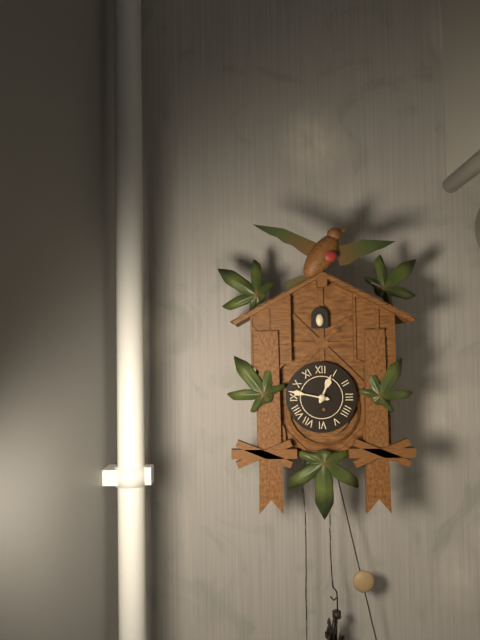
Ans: 12:47
